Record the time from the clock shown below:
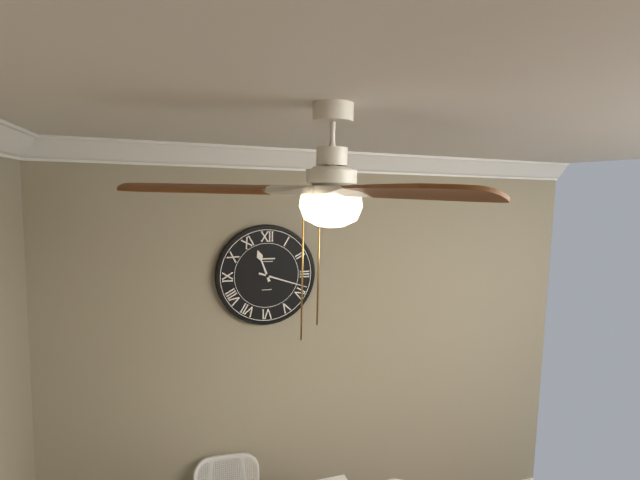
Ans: 11:18
